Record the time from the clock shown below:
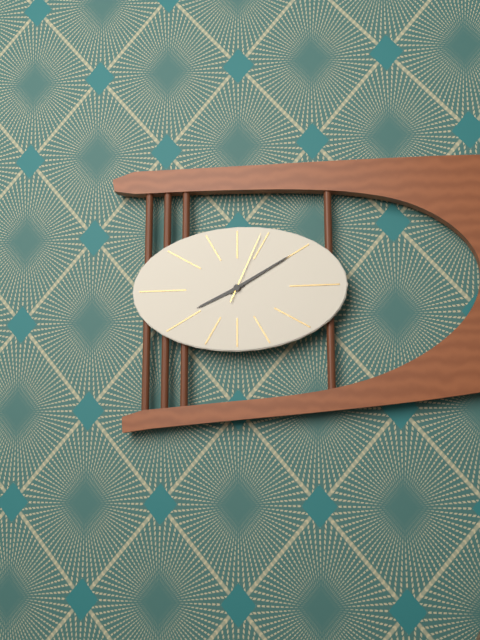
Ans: 8:10:04
